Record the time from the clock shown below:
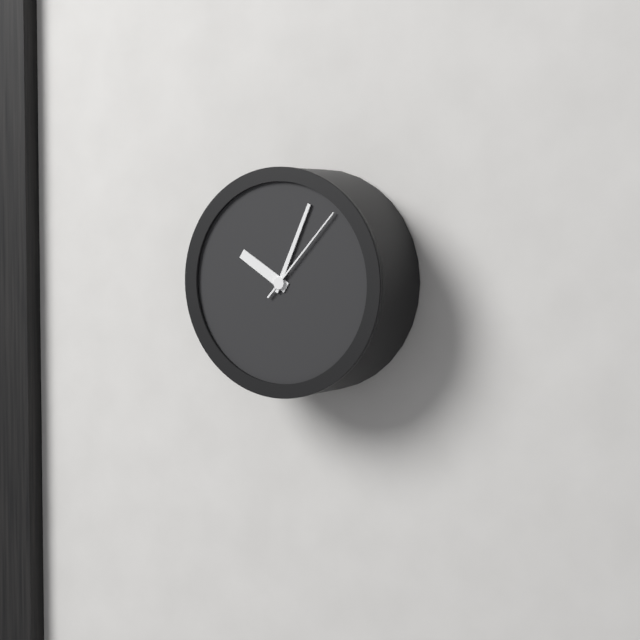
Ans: 10:04:07
